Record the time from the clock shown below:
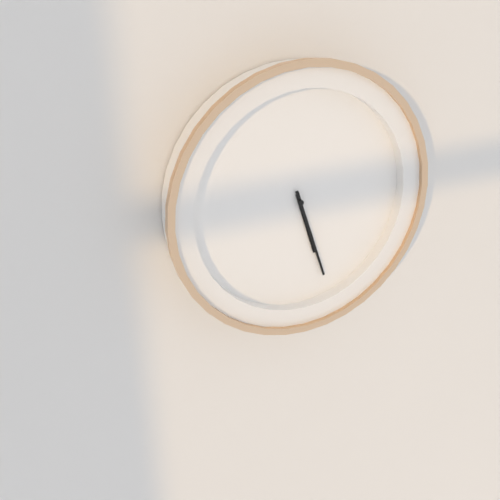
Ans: 5:27
